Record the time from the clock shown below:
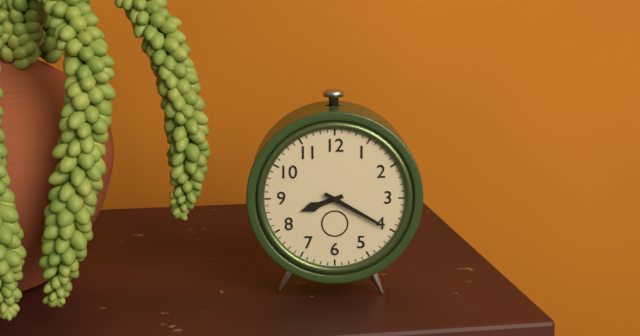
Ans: 8:20
